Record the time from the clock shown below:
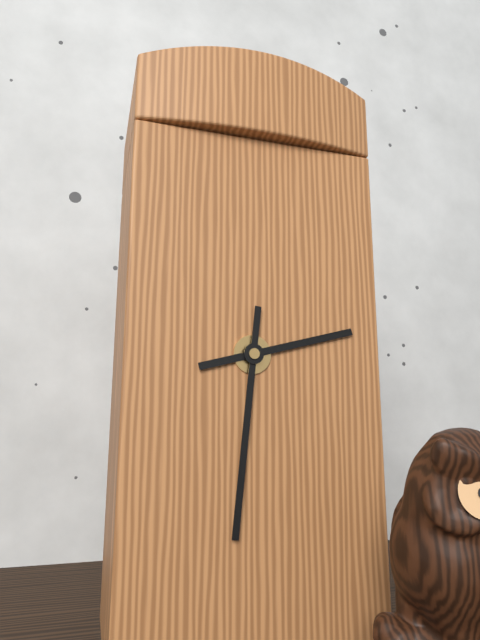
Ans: 2:31
